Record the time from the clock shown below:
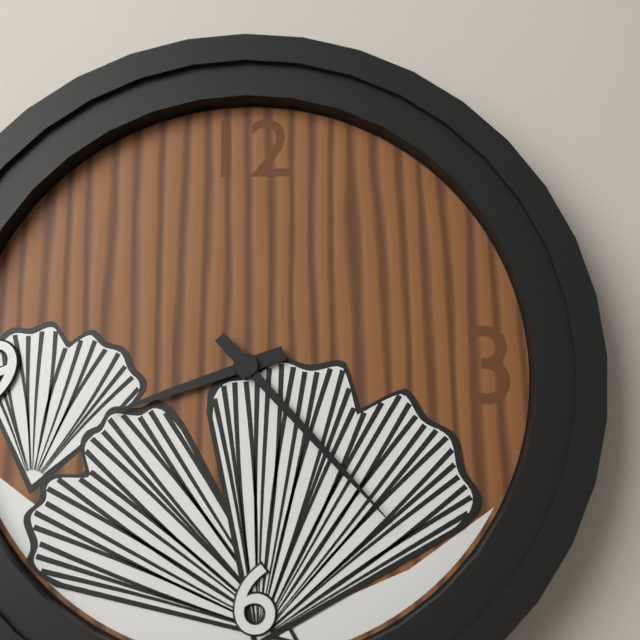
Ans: 8:23
